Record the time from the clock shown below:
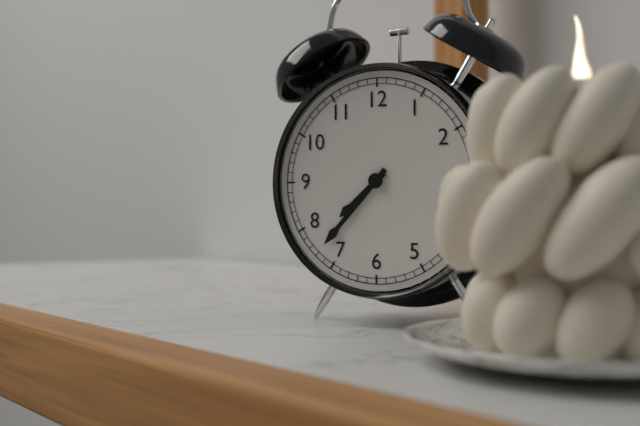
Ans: 7:37
